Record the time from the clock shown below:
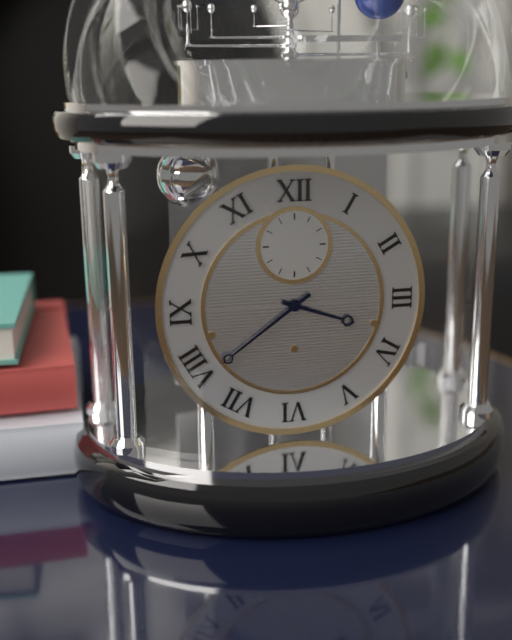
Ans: 3:39
